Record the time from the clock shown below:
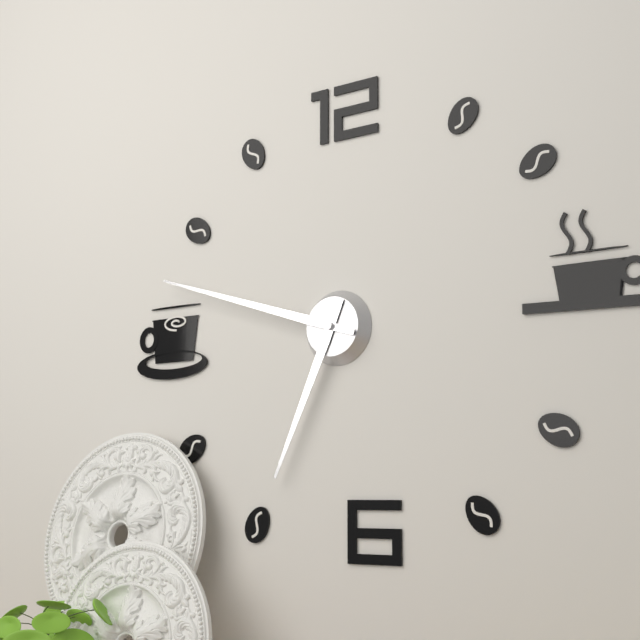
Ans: 6:48
